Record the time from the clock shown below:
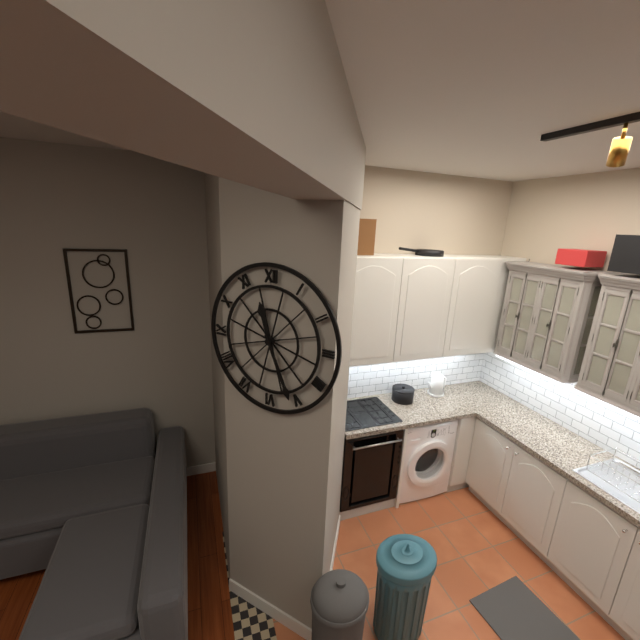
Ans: 11:26
